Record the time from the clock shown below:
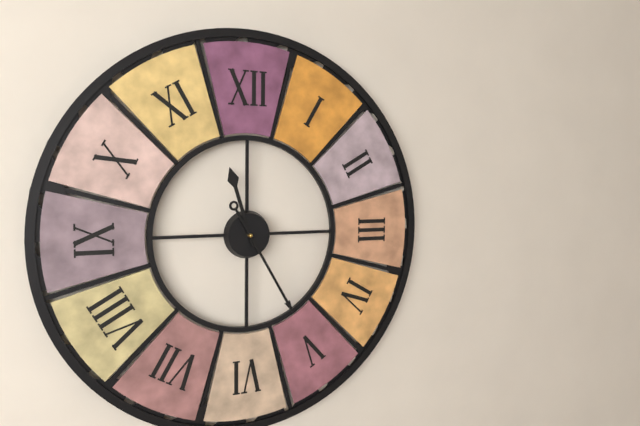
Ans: 11:25
